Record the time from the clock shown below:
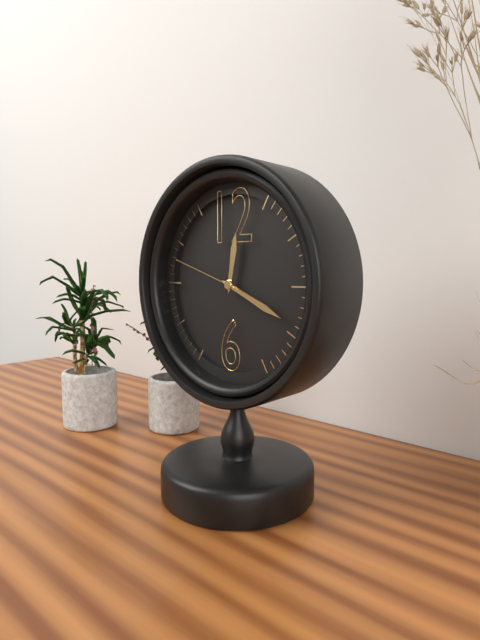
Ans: 12:19:48
